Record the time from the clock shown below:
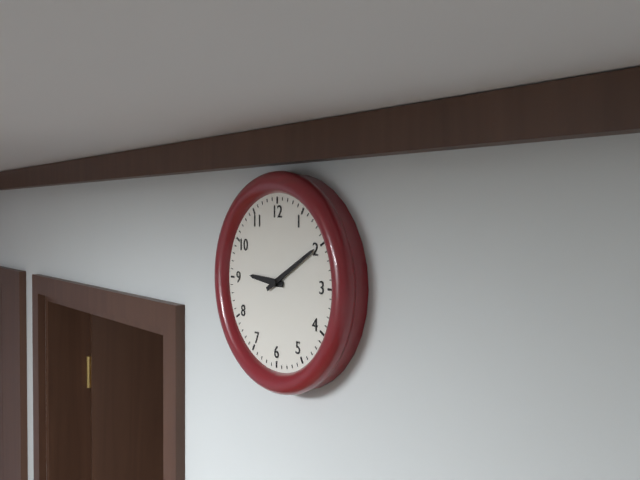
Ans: 9:10
